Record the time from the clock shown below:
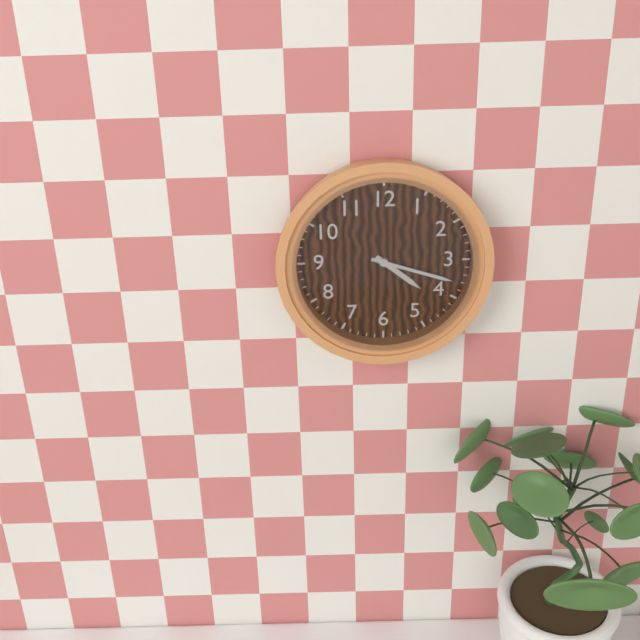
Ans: 4:18
